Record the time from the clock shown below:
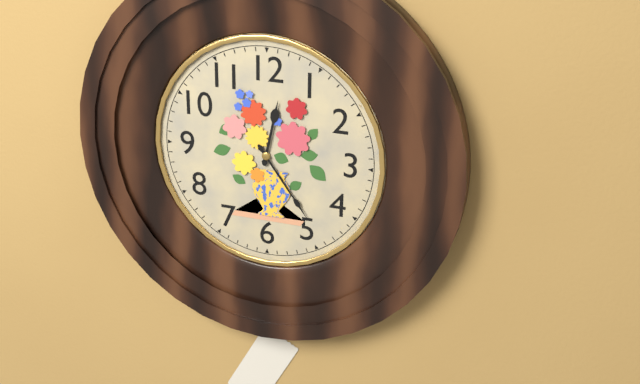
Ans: 12:24
